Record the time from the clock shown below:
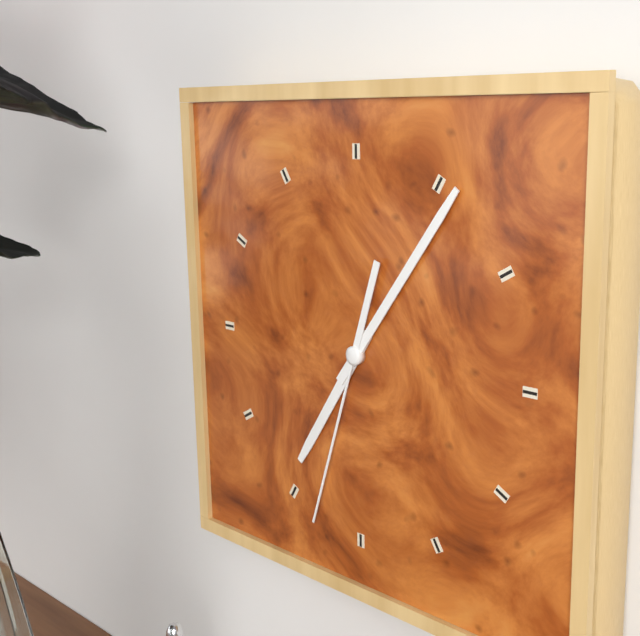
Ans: 7:06:33
